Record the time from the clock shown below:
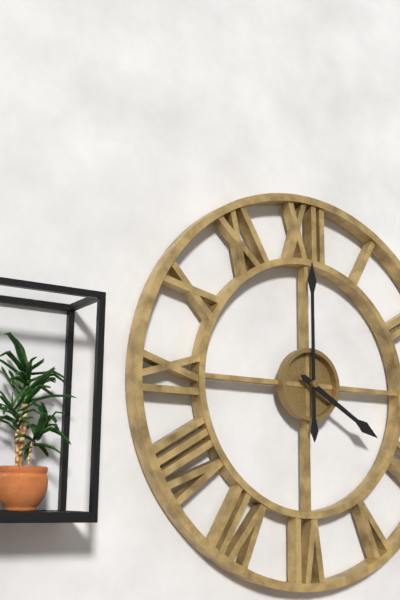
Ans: 4:00
